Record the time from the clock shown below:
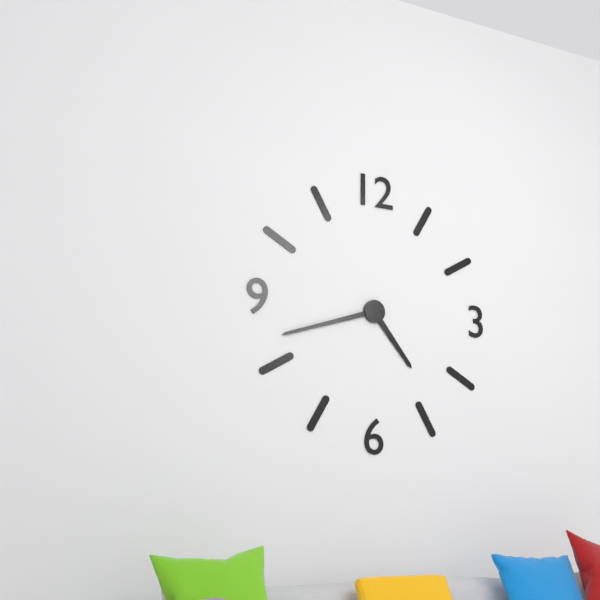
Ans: 4:42
